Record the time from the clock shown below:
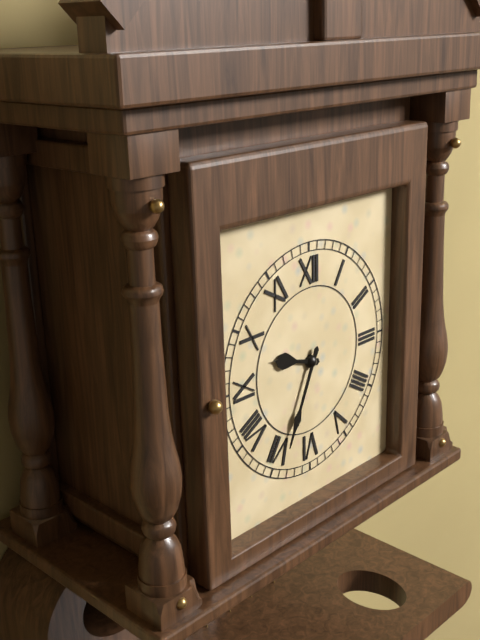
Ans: 9:34
